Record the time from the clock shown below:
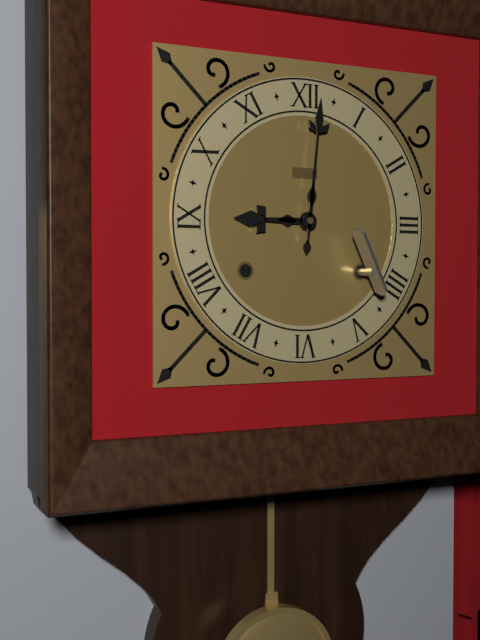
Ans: 9:01
